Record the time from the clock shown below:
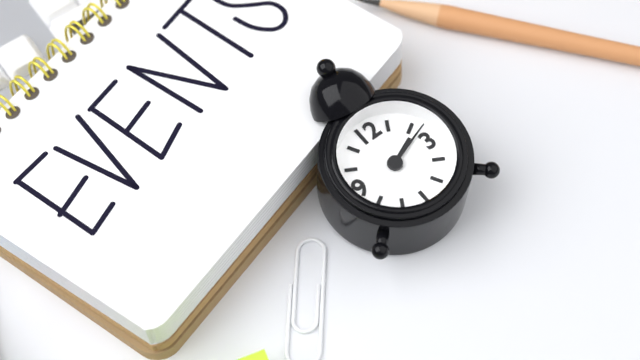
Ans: 2:12
